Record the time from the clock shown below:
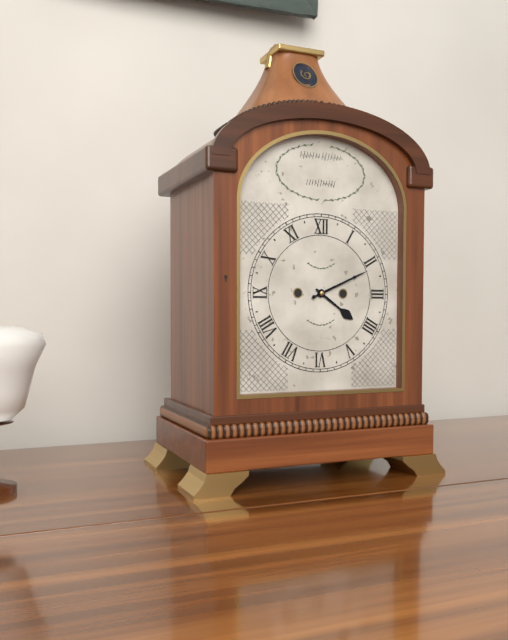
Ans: 4:11
